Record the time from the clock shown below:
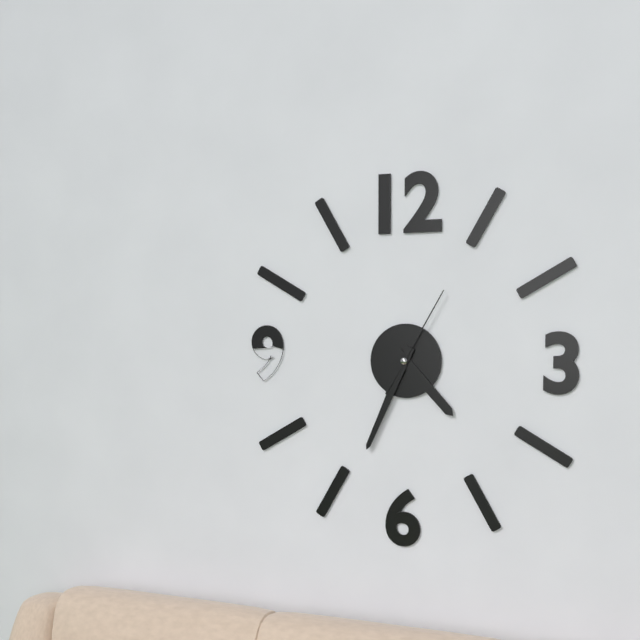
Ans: 4:34:05
